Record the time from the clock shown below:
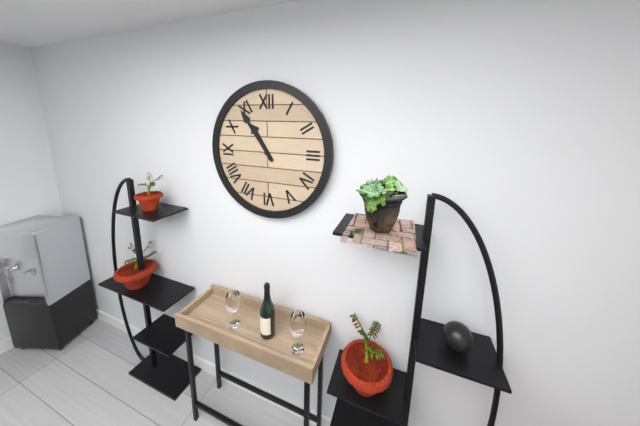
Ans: 10:54
